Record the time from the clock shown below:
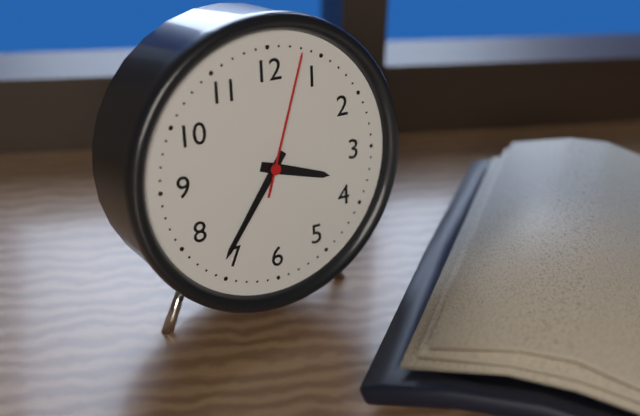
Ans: 3:36:03
